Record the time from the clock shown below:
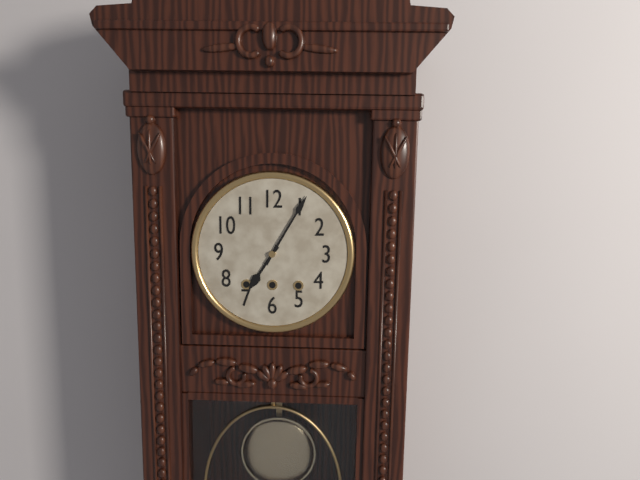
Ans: 7:05
